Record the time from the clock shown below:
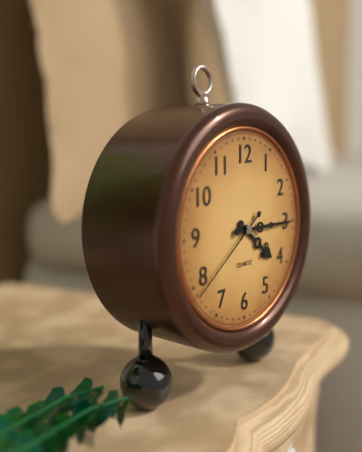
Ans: 4:15:39
